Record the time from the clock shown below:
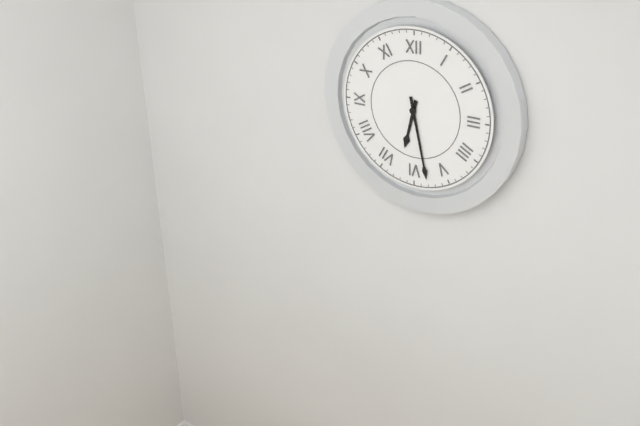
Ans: 6:28
